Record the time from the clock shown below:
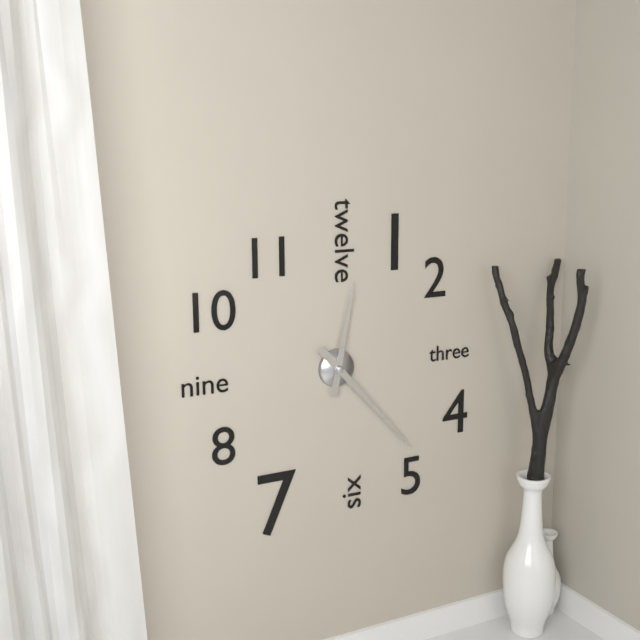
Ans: 12:23
